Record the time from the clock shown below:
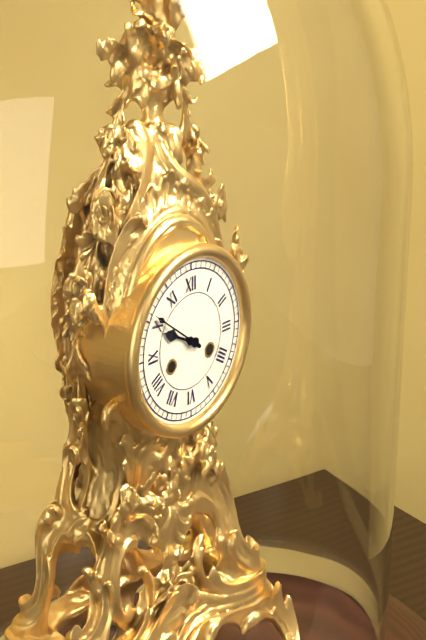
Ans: 9:51
